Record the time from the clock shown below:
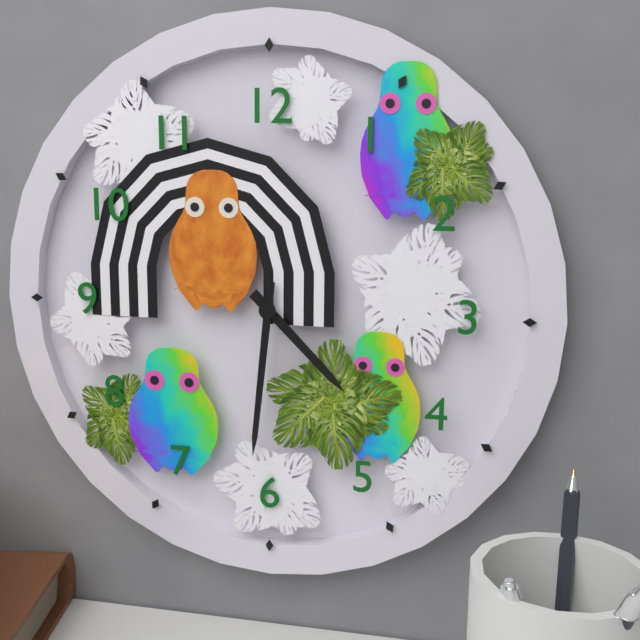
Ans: 4:31
